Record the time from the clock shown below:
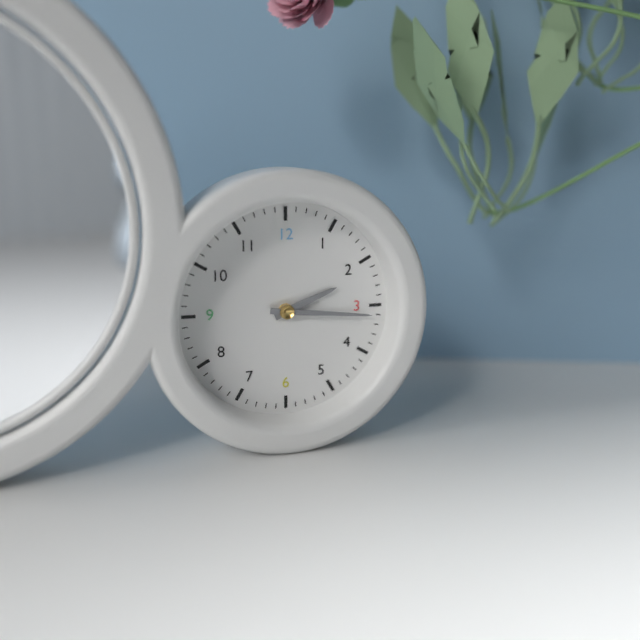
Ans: 2:16
